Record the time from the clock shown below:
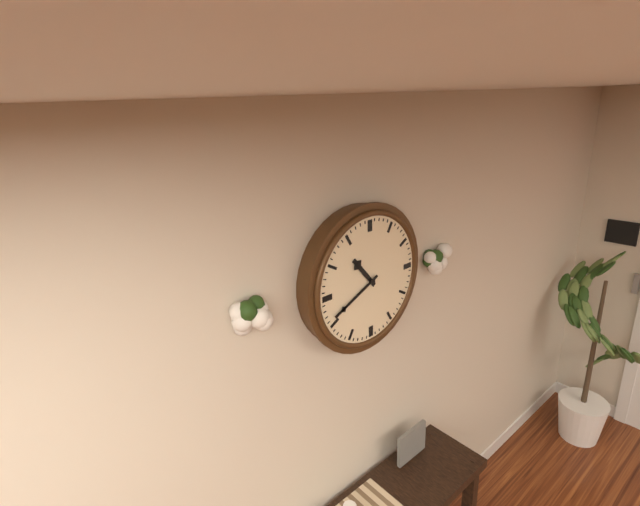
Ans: 10:41
